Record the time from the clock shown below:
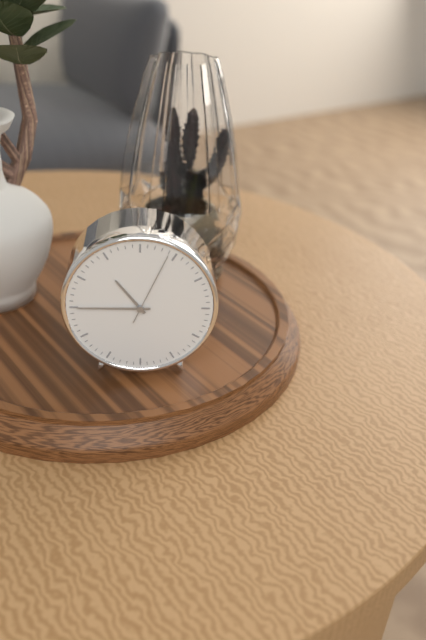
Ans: 10:45:04
